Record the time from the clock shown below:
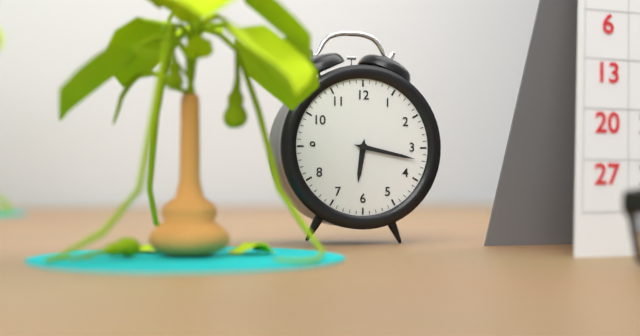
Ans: 6:17
